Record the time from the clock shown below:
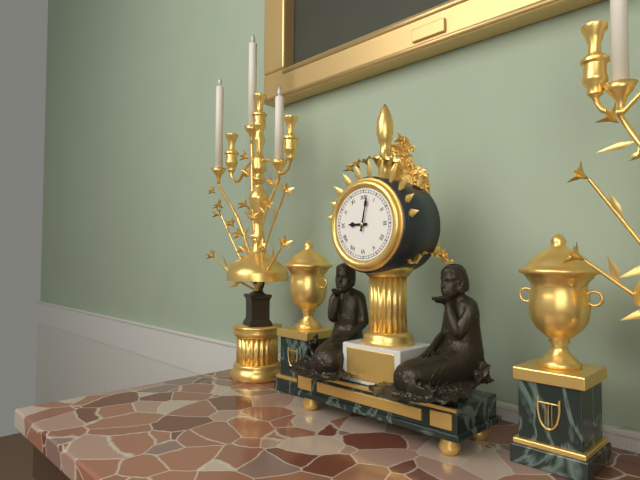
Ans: 9:02
